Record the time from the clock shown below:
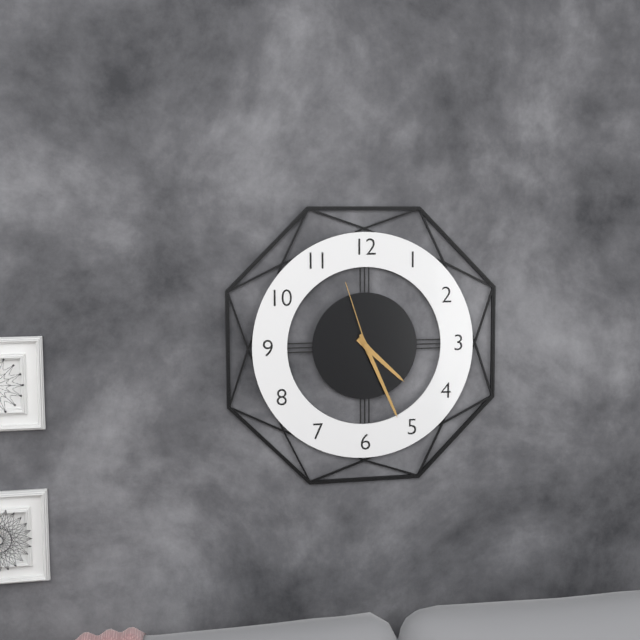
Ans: 4:26:57
